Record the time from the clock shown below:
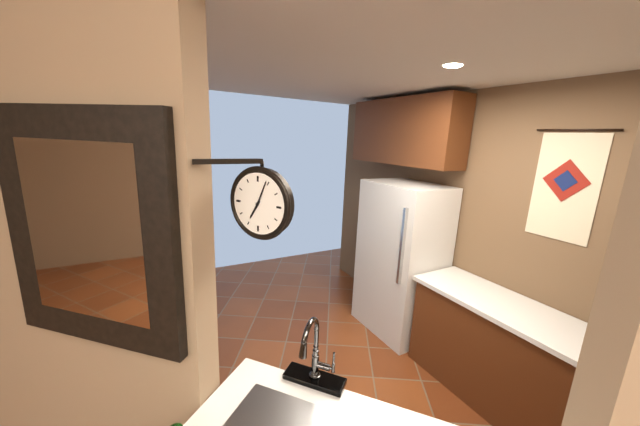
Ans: 7:04
